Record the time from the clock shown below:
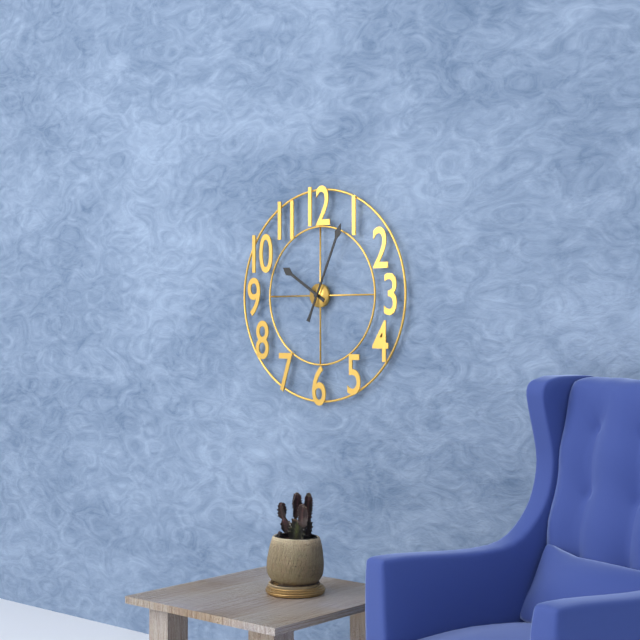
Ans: 10:04
